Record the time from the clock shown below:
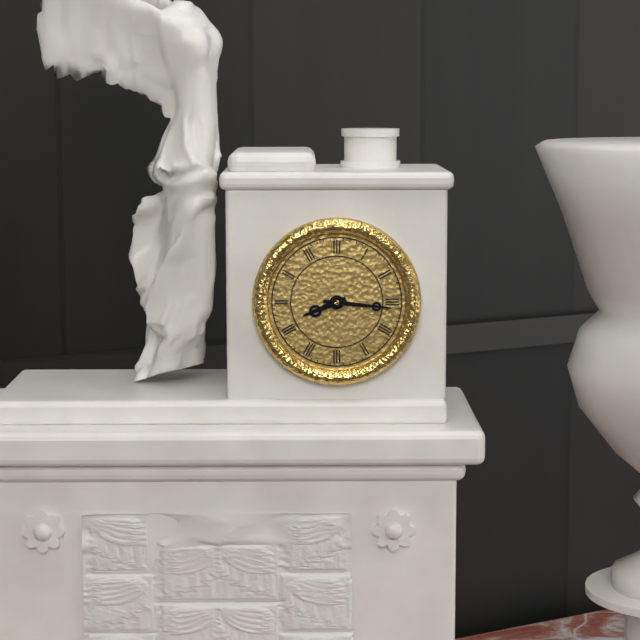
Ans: 8:16
